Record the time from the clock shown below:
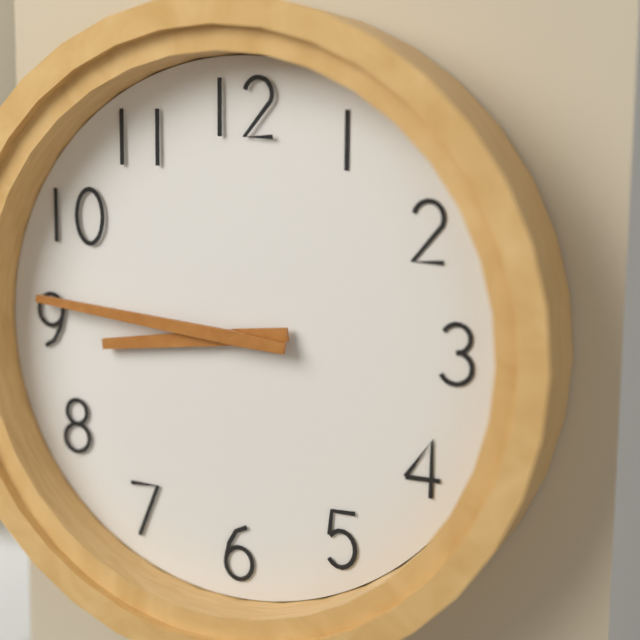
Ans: 8:46
